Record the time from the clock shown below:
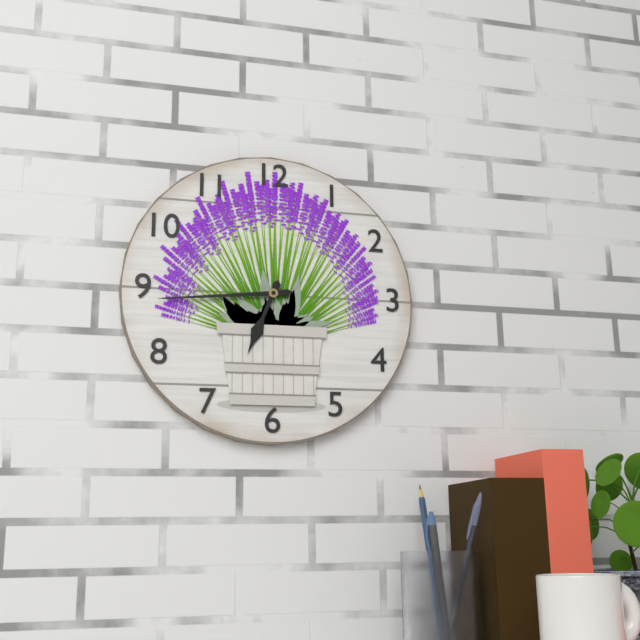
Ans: 6:44
